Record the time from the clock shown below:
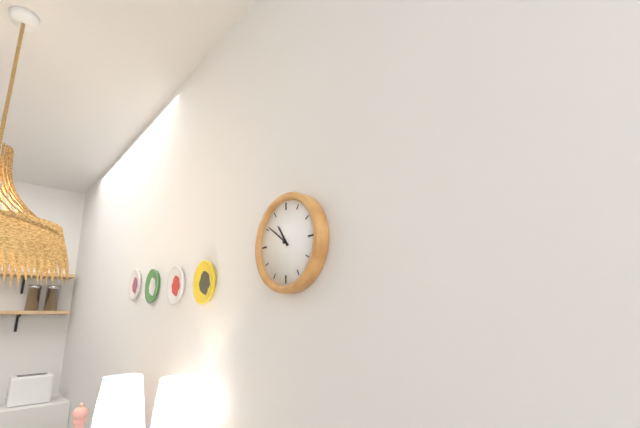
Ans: 10:51
